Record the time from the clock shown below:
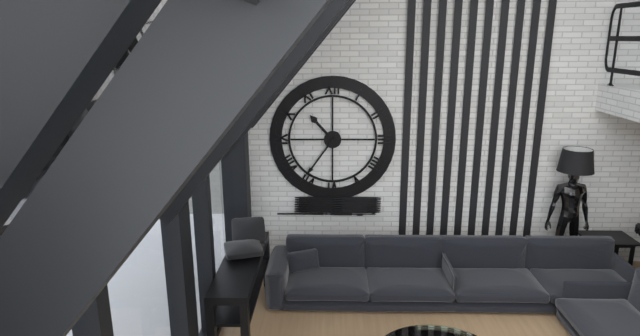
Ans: 10:36
